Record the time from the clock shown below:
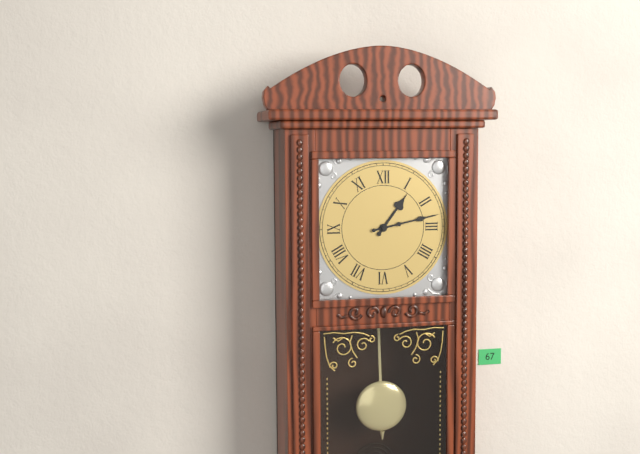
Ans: 1:13
